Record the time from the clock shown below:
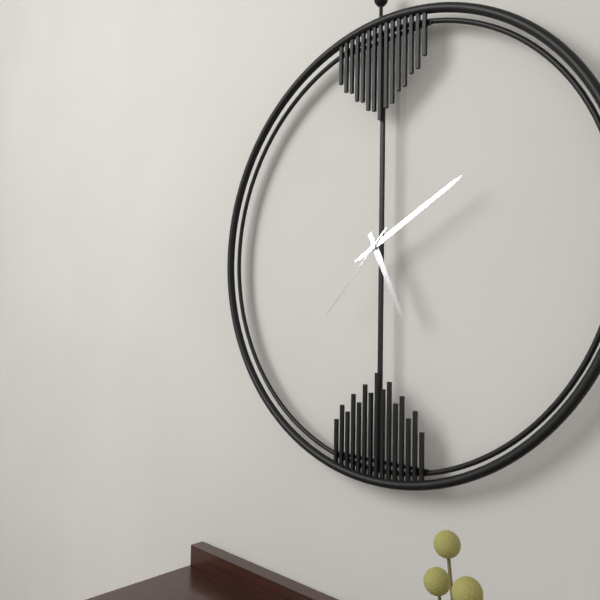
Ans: 5:10:37
